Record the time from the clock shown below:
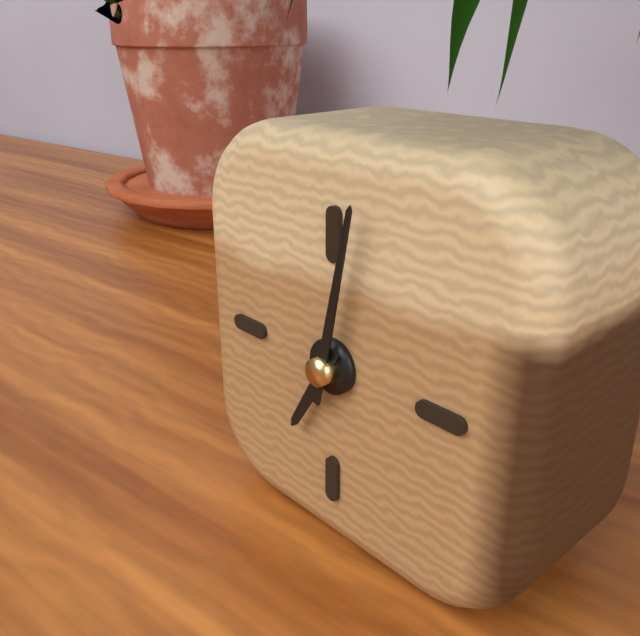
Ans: 7:02
